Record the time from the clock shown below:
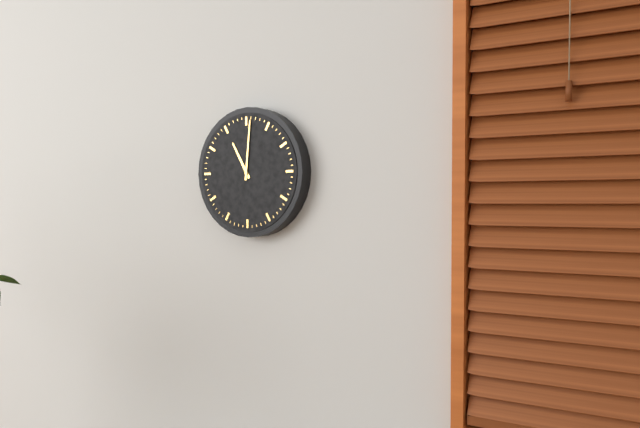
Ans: 11:01
